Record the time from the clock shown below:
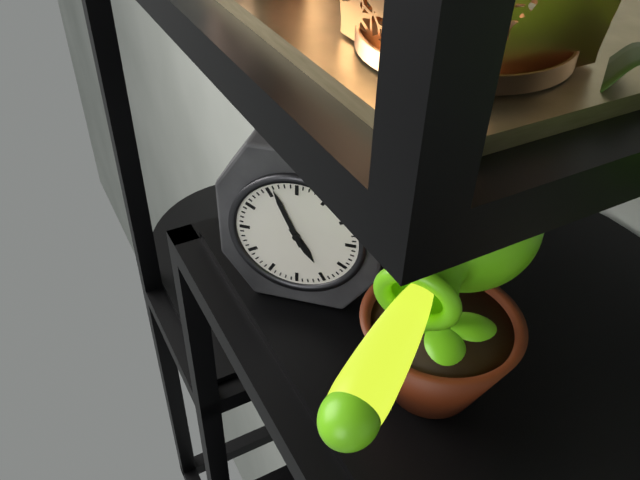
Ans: 4:56
